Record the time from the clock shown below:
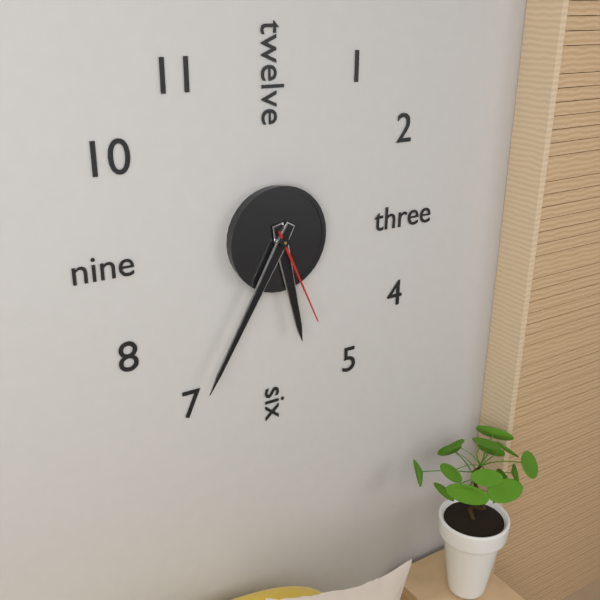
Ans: 5:35:26
